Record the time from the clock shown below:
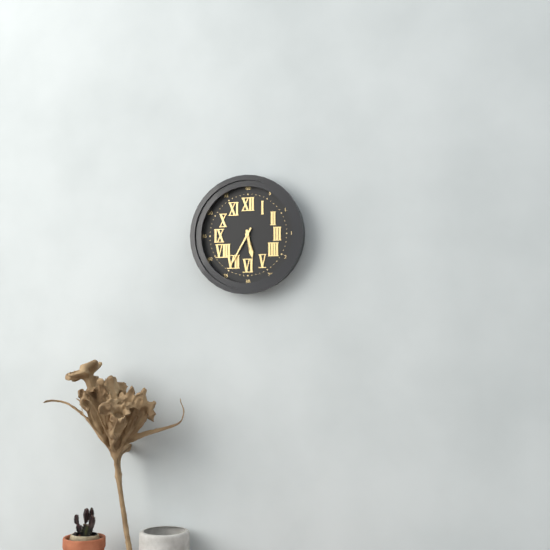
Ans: 5:35
